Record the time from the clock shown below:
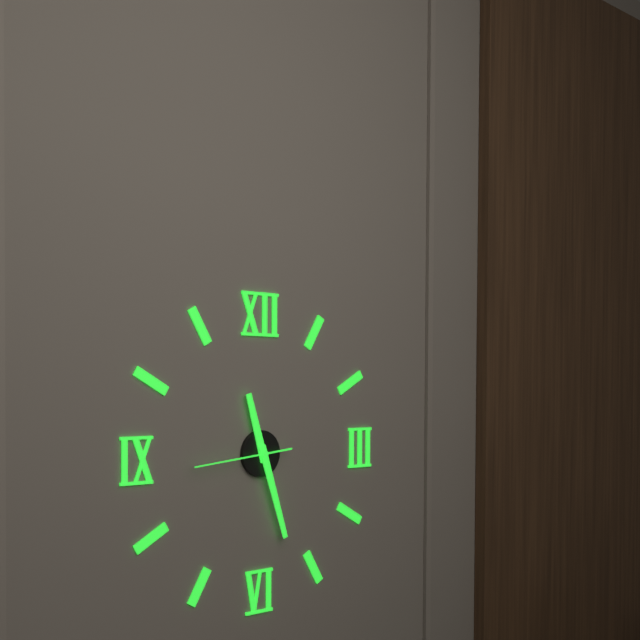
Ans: 11:27:44
